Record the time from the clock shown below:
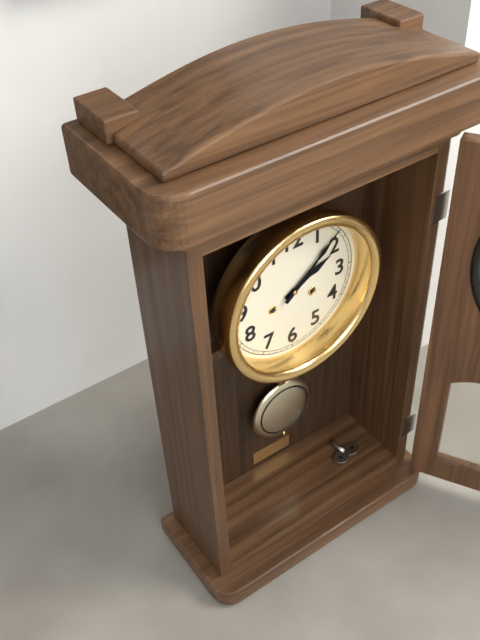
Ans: 2:08
